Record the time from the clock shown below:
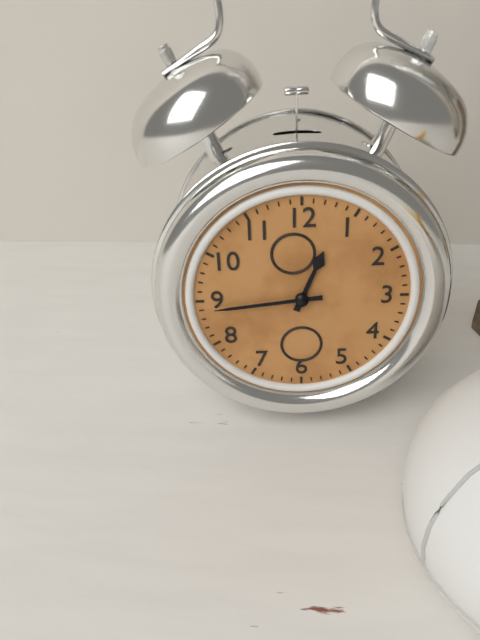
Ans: 12:44
